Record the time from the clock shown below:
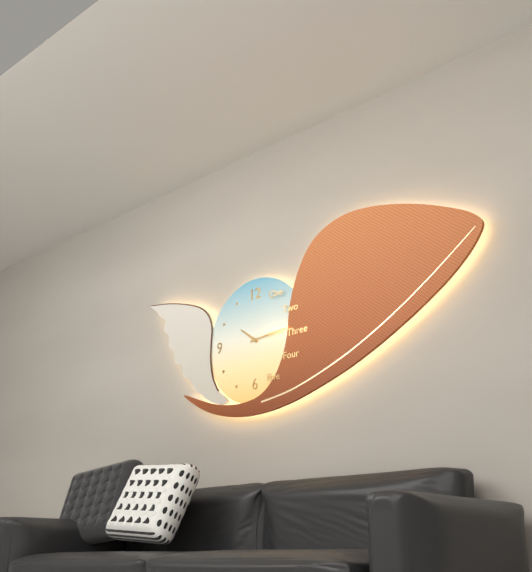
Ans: 10:14
